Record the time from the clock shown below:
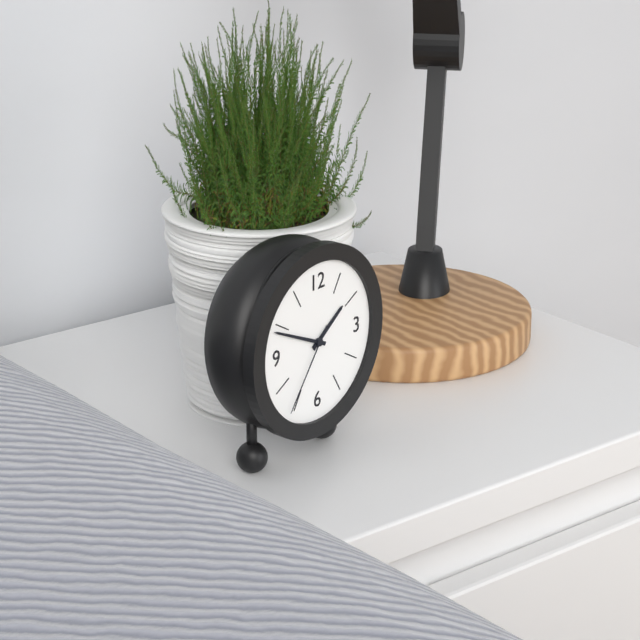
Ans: 1:49:36
